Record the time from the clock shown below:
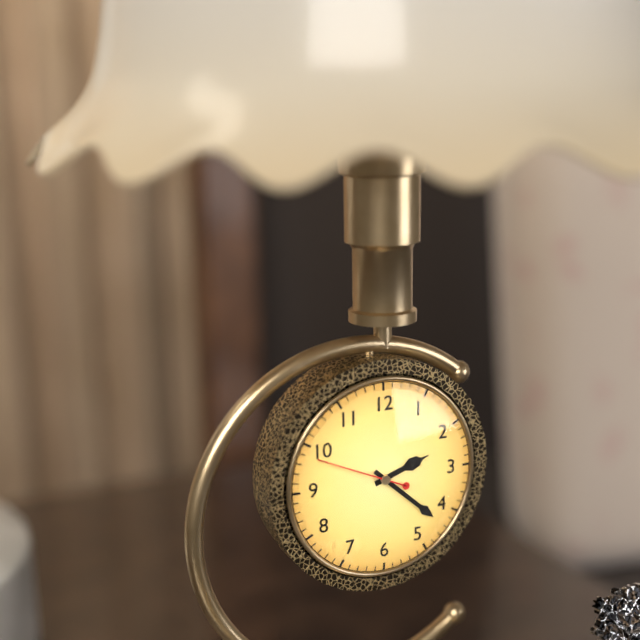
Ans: 2:22:49
